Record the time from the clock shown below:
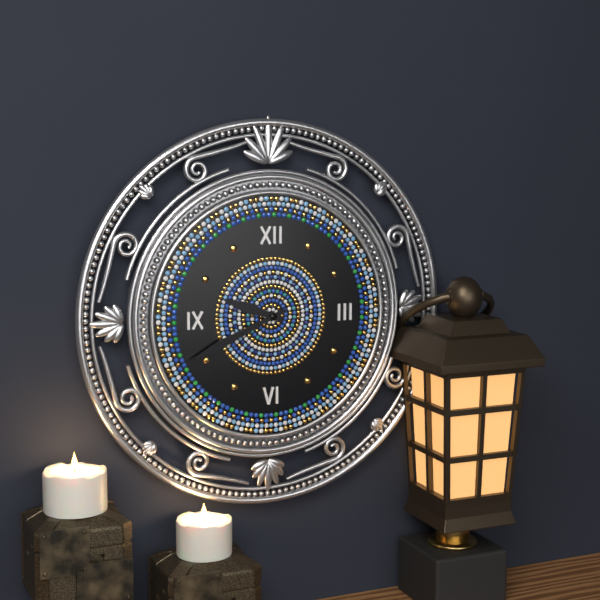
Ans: 9:41
